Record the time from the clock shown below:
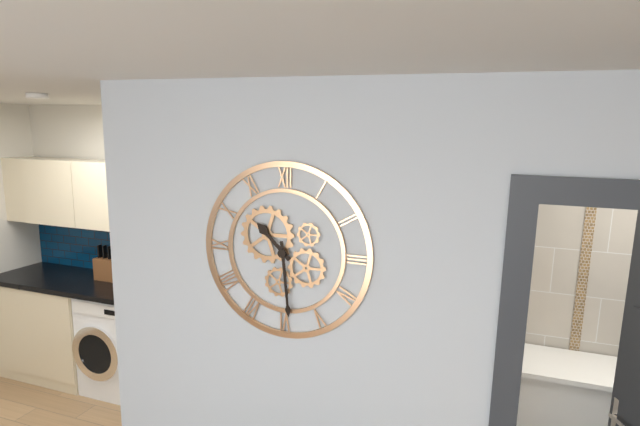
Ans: 10:29
